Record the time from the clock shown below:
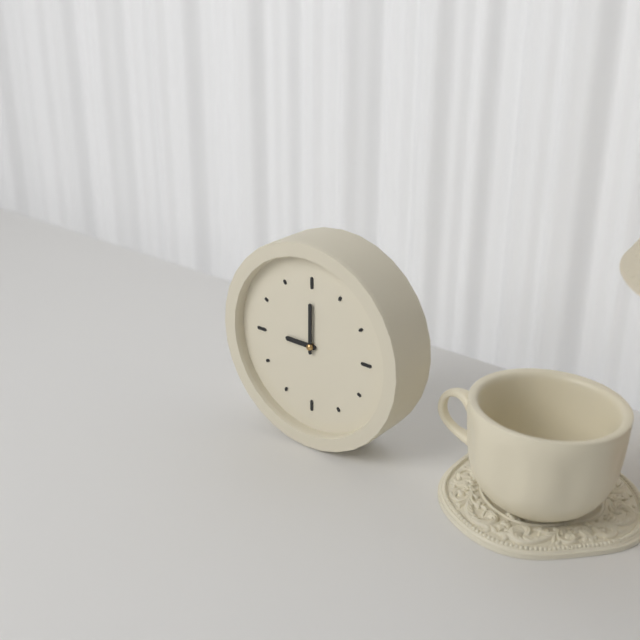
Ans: 9:00
